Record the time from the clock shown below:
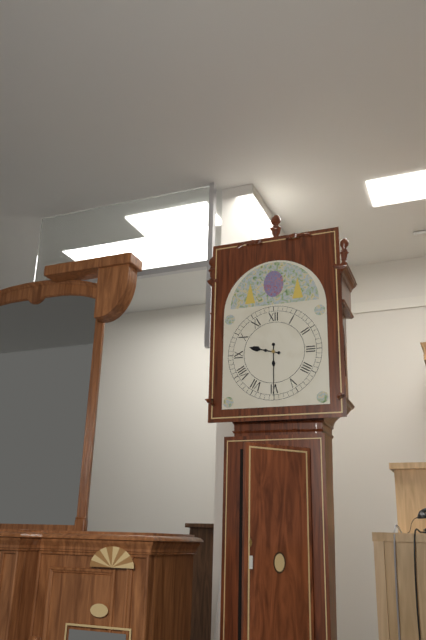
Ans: 9:30
